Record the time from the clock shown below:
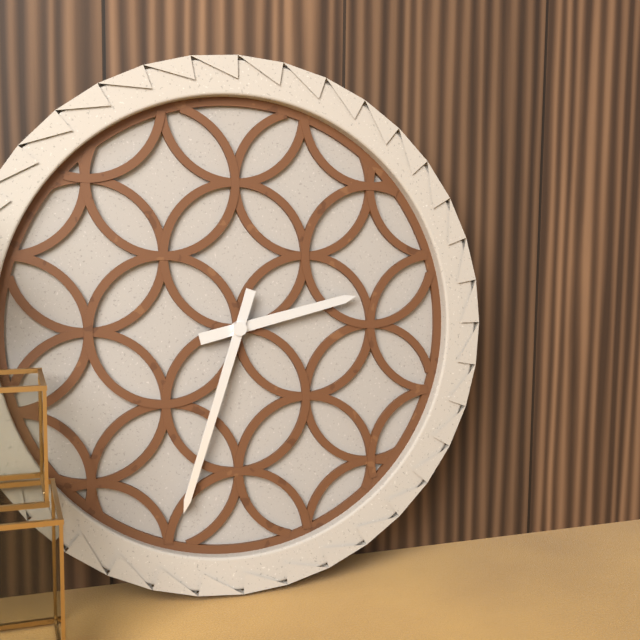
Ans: 2:33
